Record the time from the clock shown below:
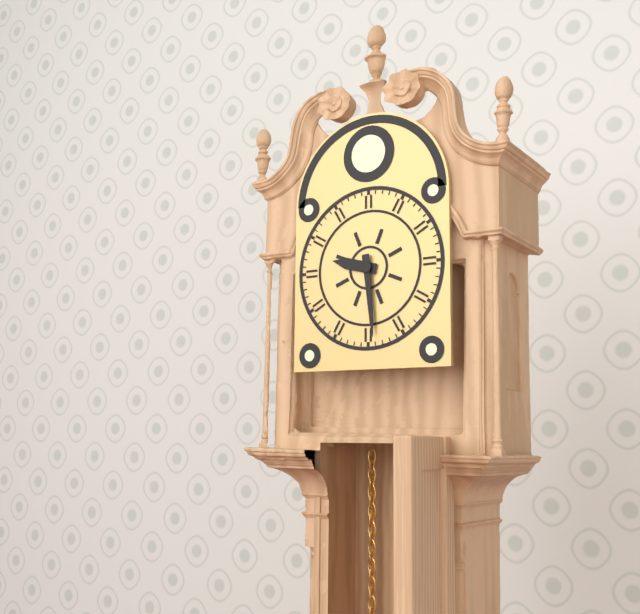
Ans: 9:29
